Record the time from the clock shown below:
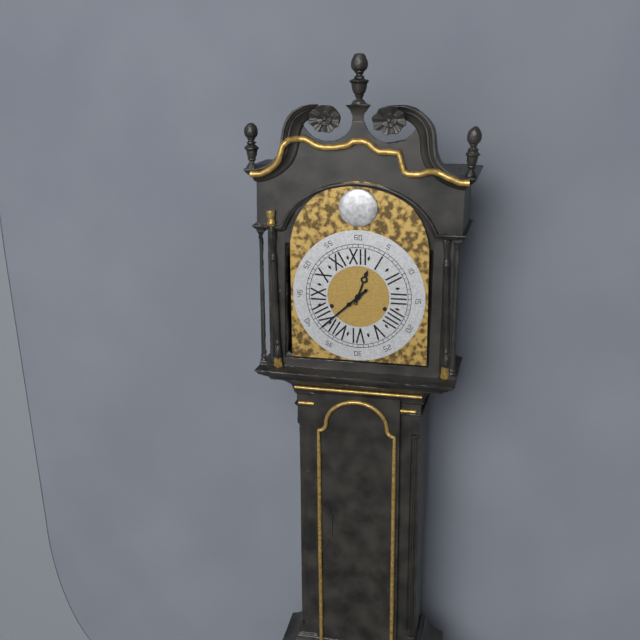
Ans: 12:38
